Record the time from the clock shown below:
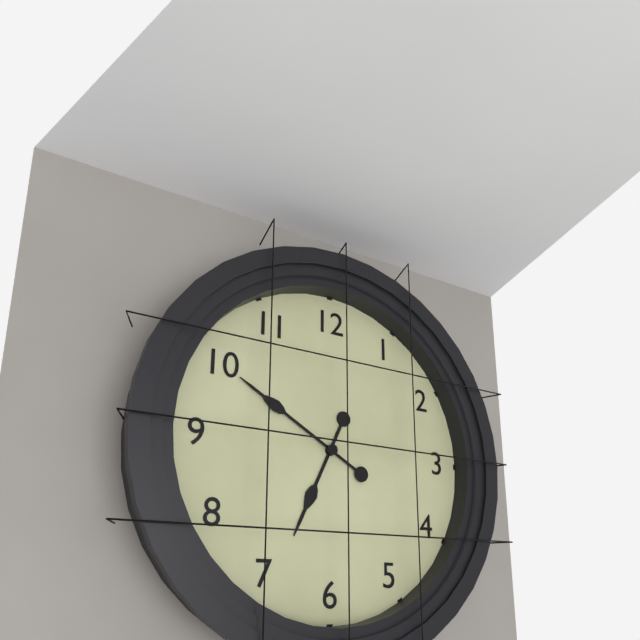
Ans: 6:50
